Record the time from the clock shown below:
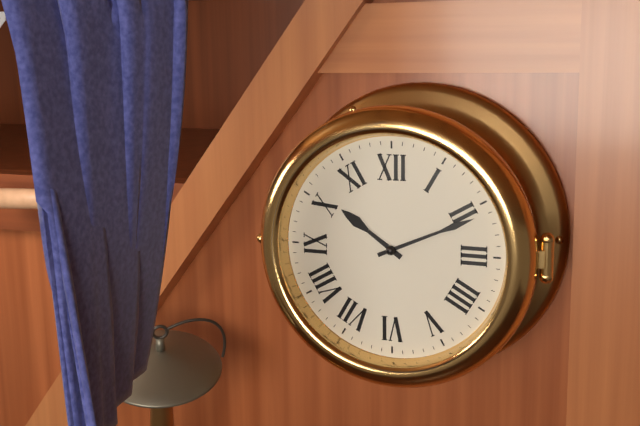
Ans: 10:11
